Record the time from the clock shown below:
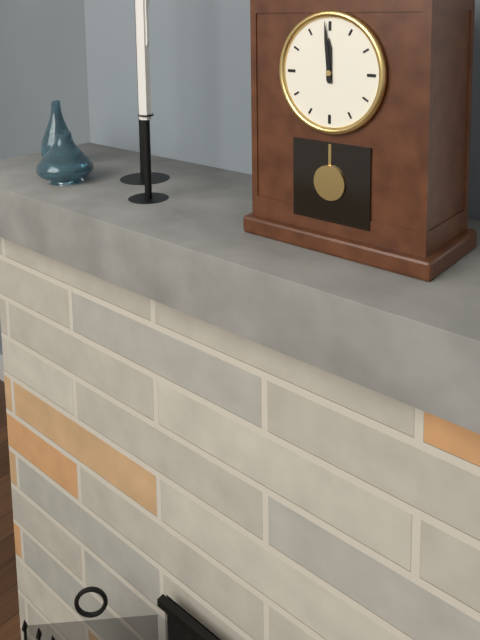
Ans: 11:59
